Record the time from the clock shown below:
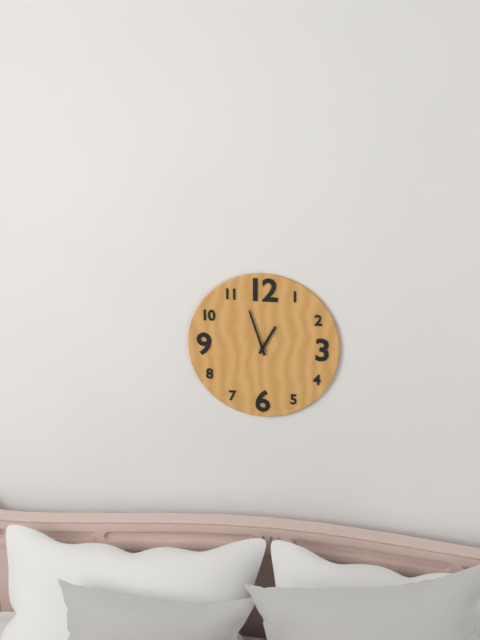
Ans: 12:57
